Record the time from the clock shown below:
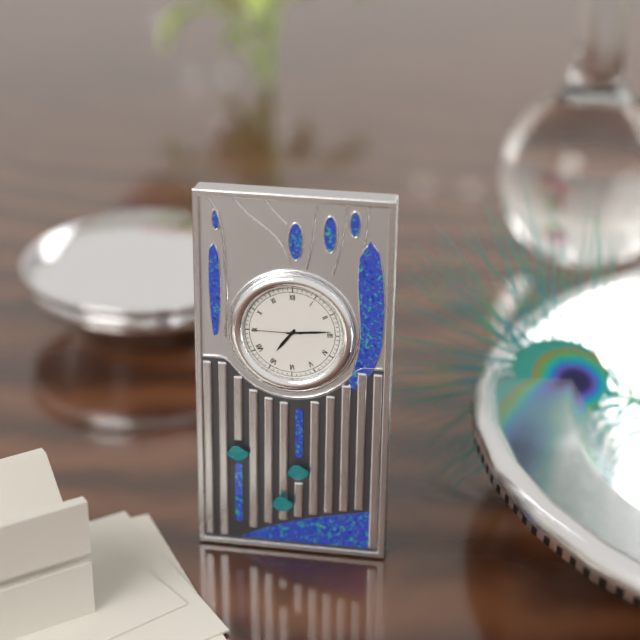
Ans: 7:14:45
